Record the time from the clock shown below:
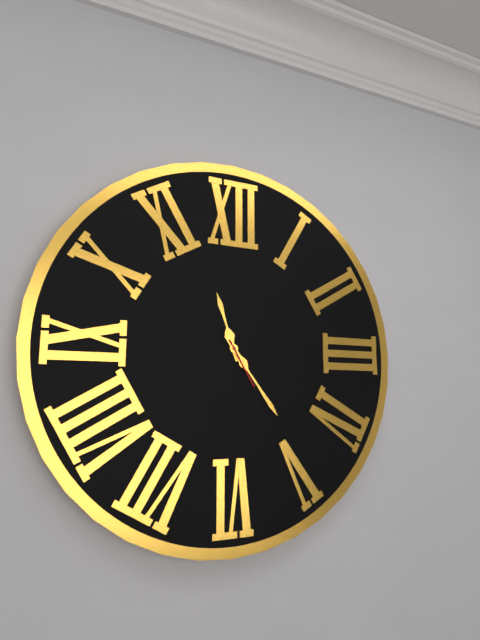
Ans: 11:24:25
